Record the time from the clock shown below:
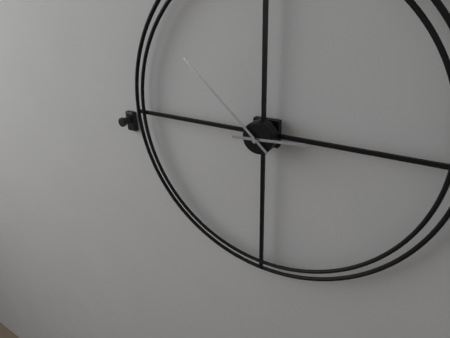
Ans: 2:52
